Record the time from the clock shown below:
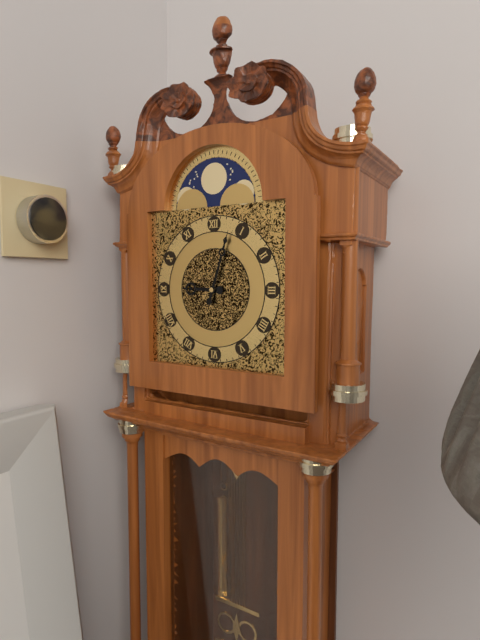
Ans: 9:03
